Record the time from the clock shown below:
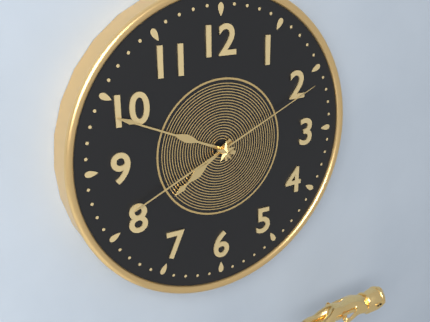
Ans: 7:49:11
